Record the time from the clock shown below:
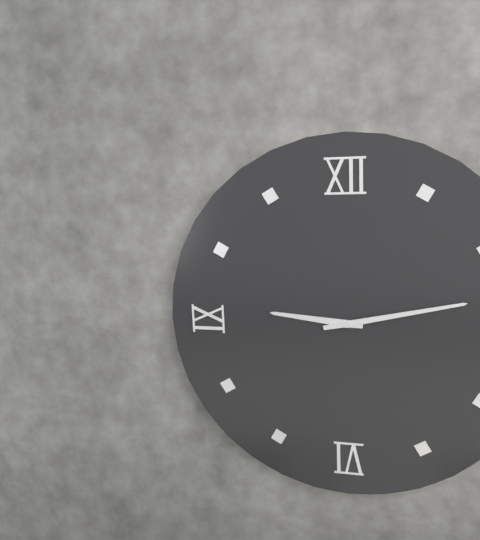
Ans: 9:13
